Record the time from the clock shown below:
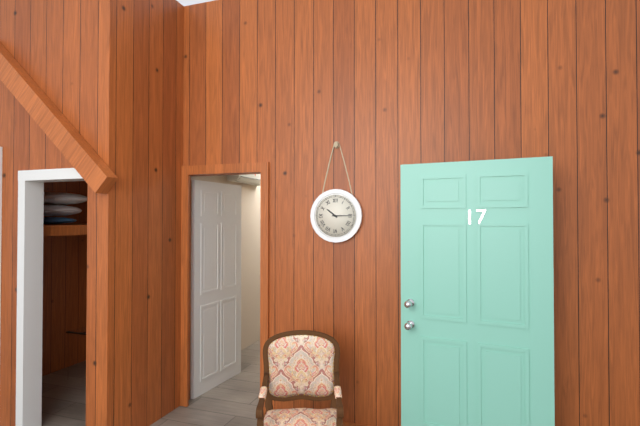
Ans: 10:15
